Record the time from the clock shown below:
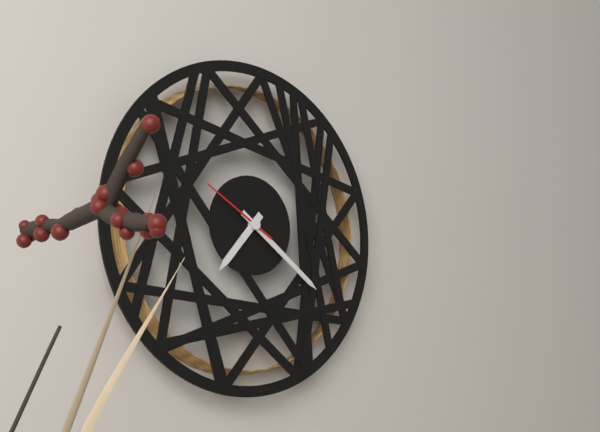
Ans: 7:21:50
